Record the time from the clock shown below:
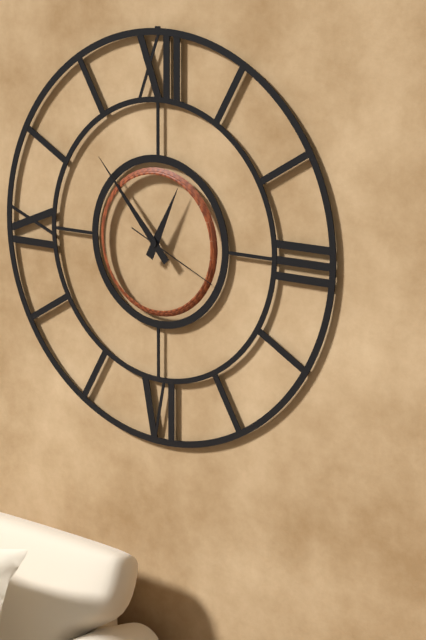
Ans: 12:53:19
